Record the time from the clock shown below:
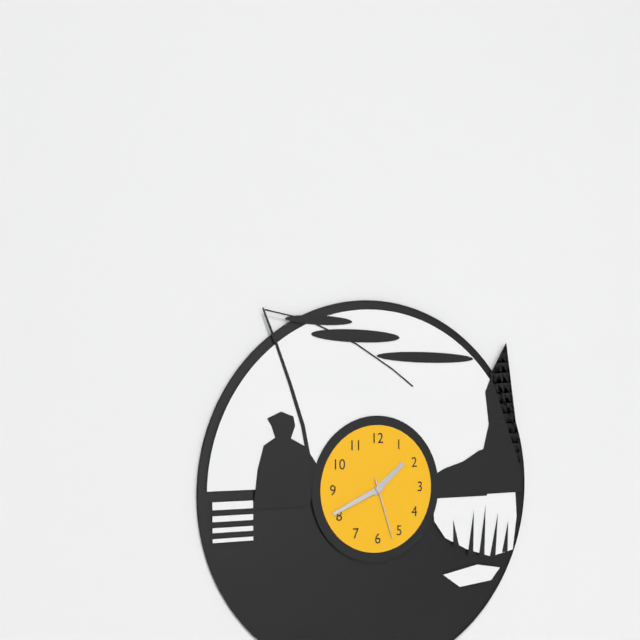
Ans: 1:41:27
